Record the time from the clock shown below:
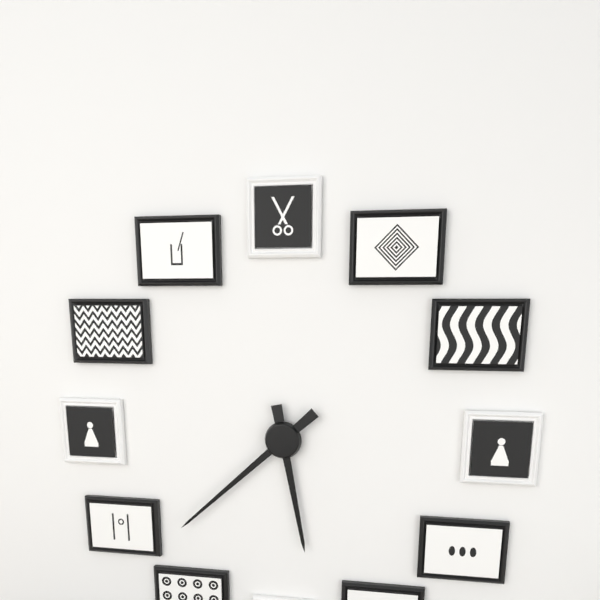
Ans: 5:38
